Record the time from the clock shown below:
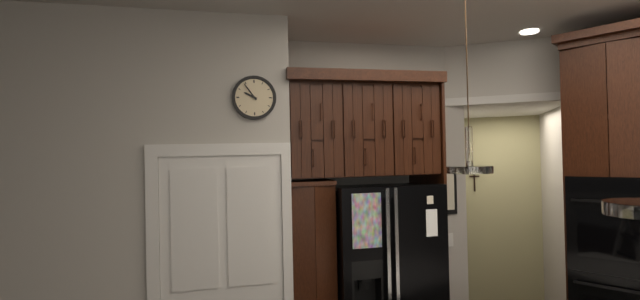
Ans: 9:54
